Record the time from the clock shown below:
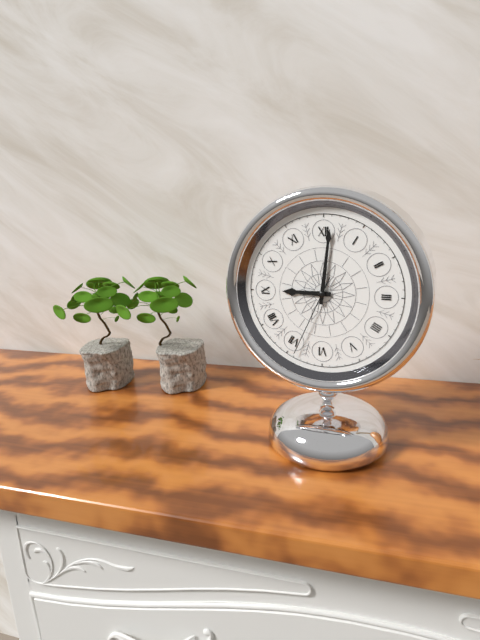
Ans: 9:01:34
